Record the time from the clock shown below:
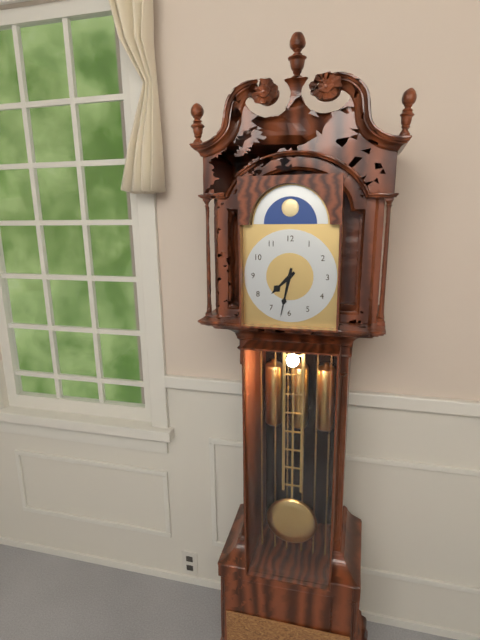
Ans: 7:32
